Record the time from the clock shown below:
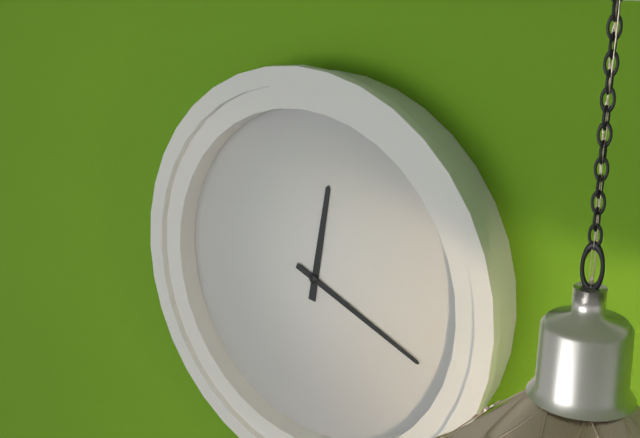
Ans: 12:19
